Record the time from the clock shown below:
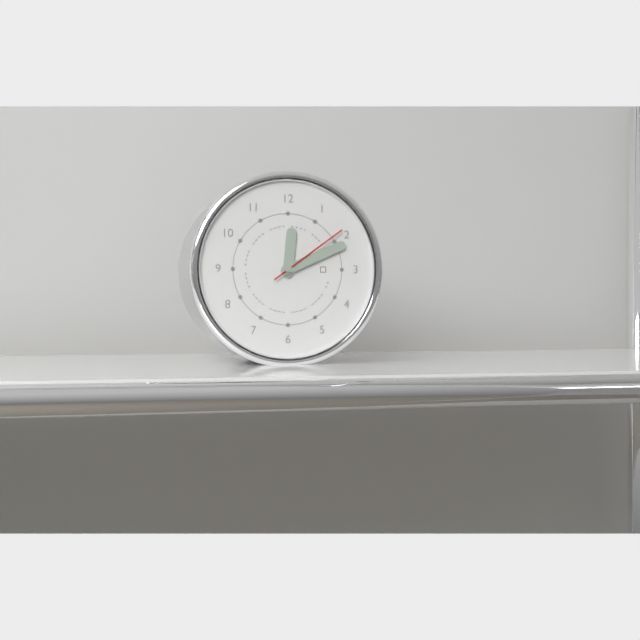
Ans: 12:11:09
